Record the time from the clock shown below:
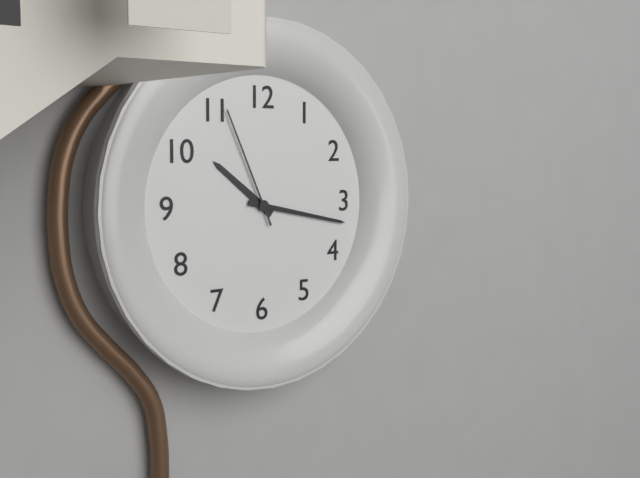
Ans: 10:17:56
